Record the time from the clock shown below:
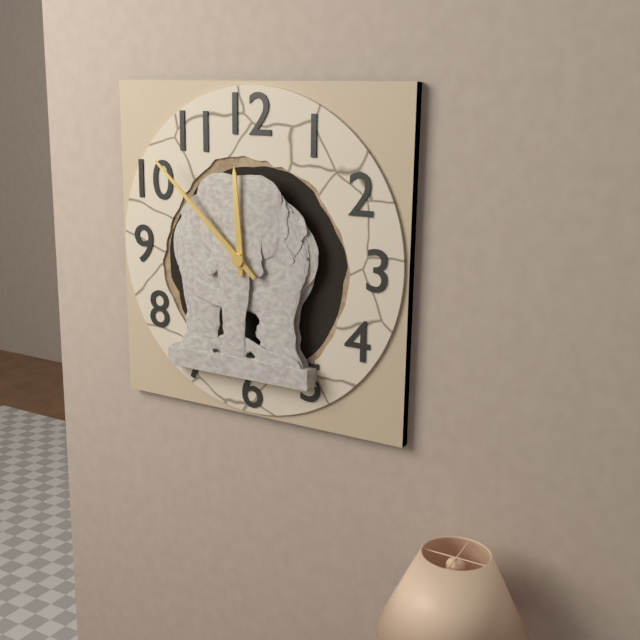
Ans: 11:52
